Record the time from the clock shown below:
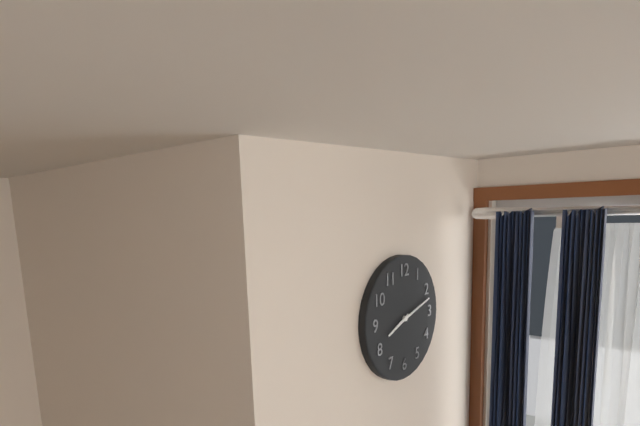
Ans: 8:12
